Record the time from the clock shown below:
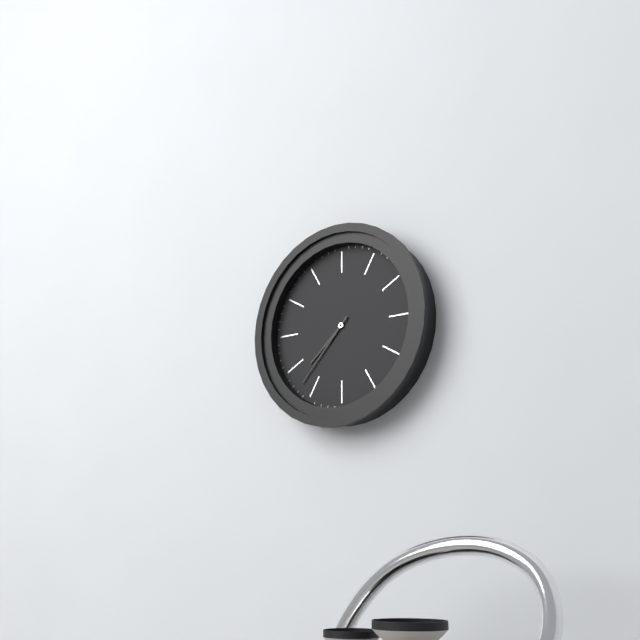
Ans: 7:37
